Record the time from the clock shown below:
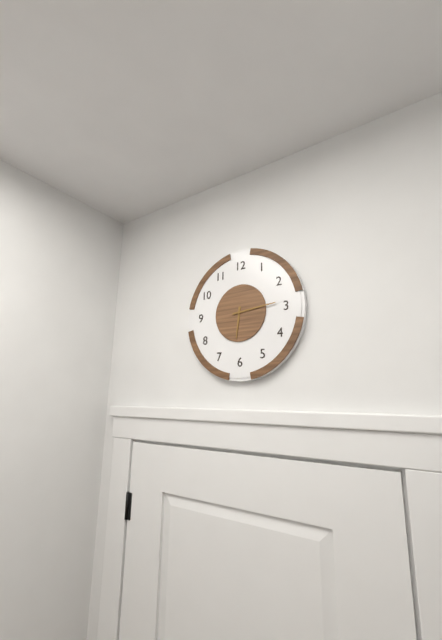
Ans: 6:14
